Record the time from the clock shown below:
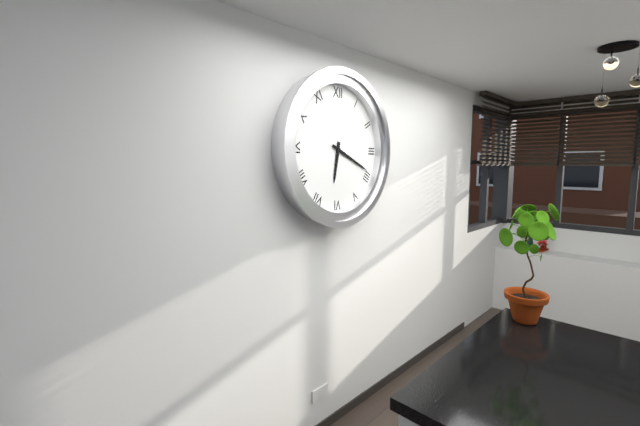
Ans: 6:19
